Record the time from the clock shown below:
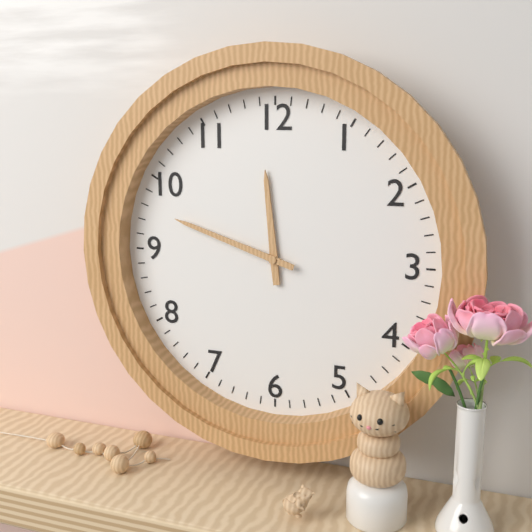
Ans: 11:48
